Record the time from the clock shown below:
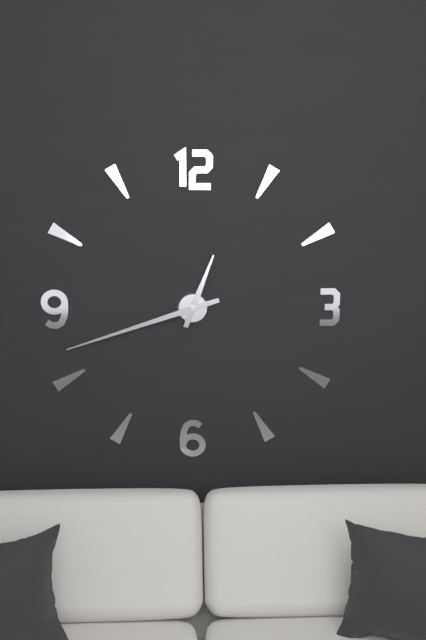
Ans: 12:42
